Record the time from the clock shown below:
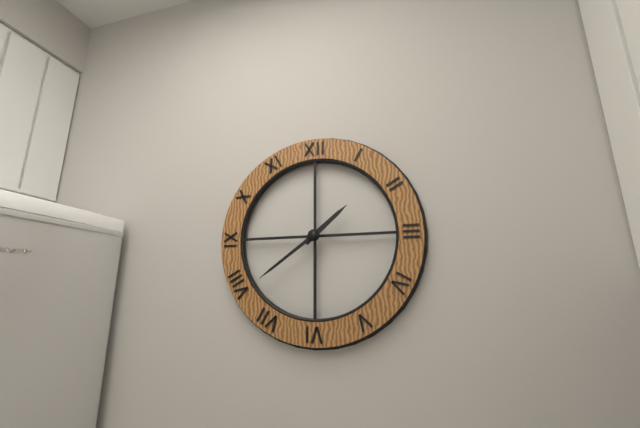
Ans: 1:39
